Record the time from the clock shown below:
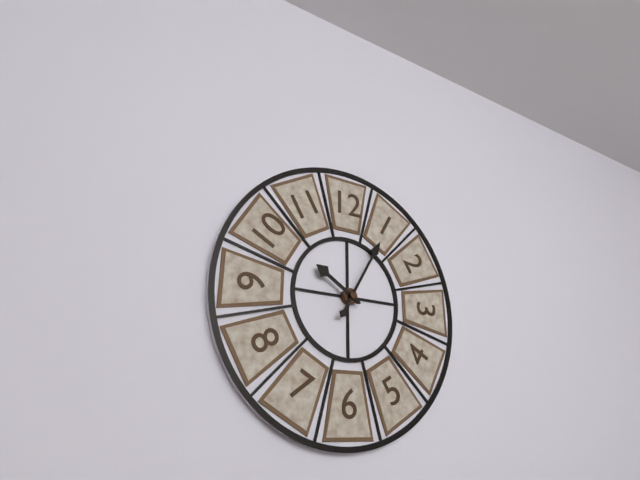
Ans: 10:05
